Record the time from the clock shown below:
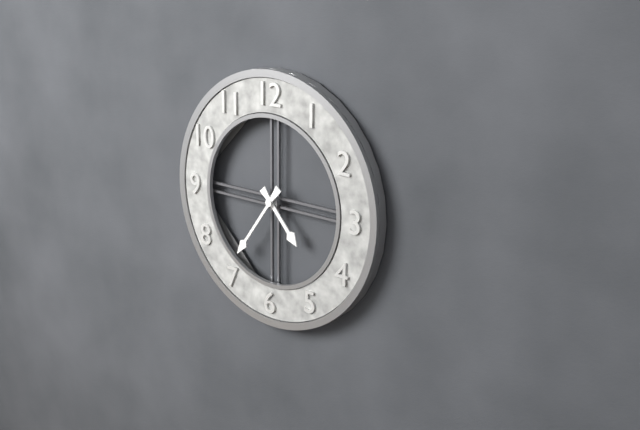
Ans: 4:36
